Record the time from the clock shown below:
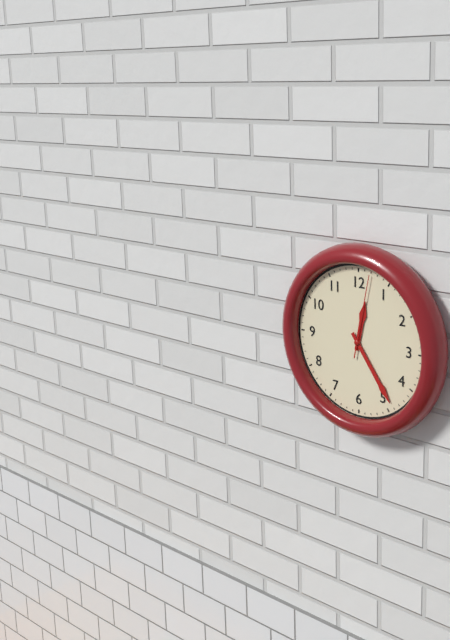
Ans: 12:24:02
